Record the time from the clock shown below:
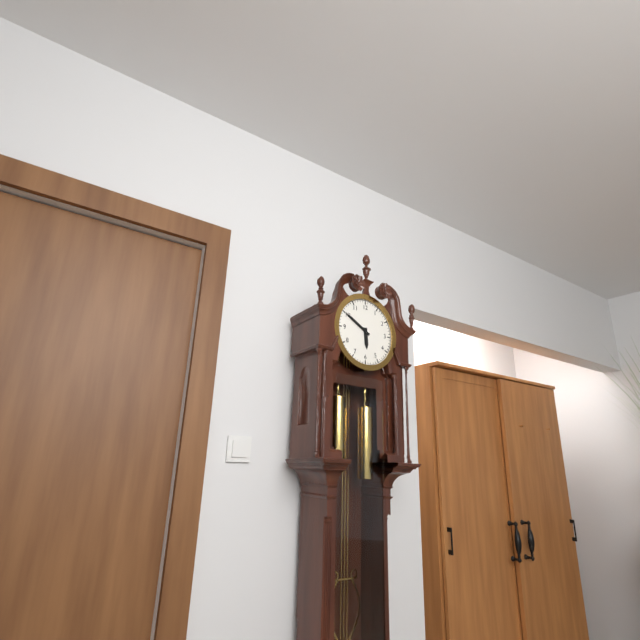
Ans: 5:50
